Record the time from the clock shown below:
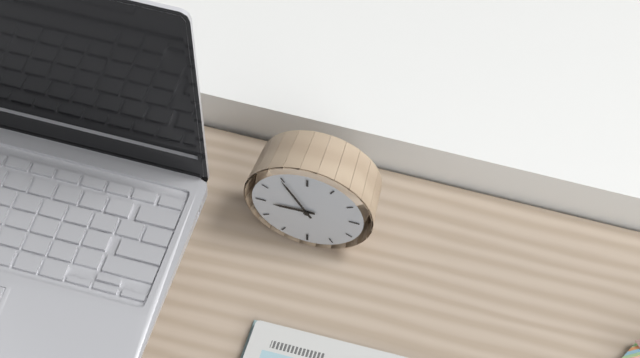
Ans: 8:55
